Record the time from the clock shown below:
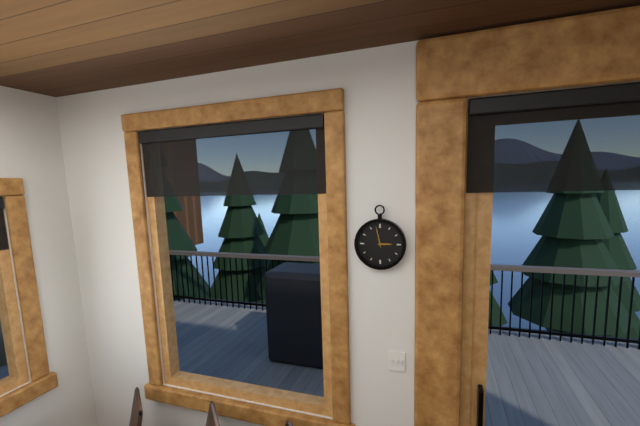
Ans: 2:58
